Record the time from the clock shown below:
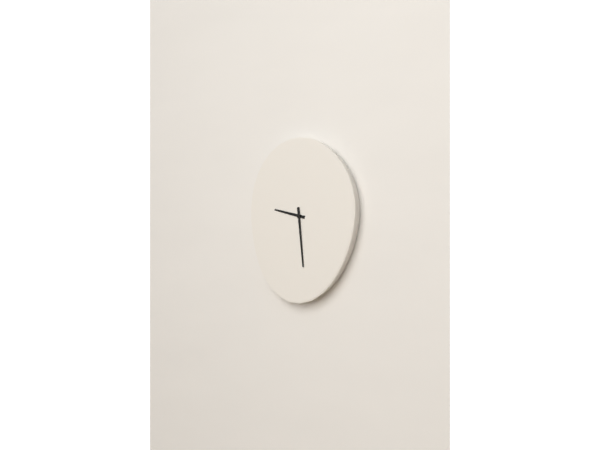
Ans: 9:29
